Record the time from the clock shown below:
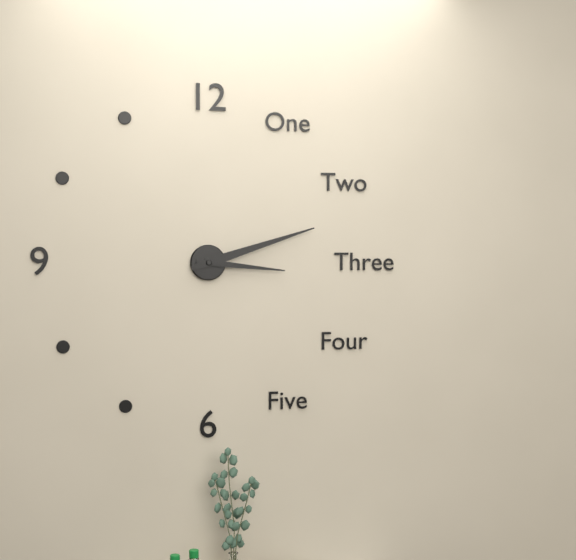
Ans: 3:12
